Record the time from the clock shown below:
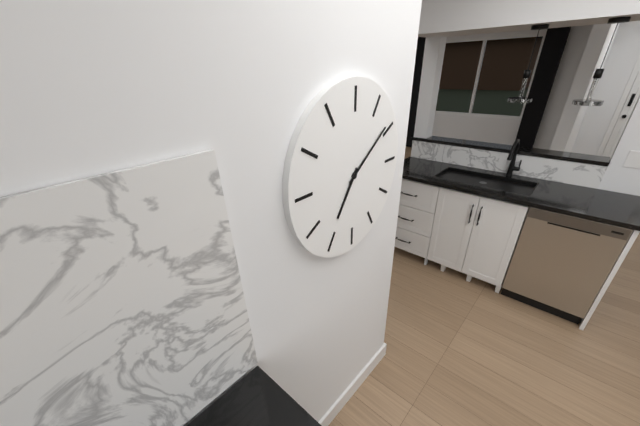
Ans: 7:09
